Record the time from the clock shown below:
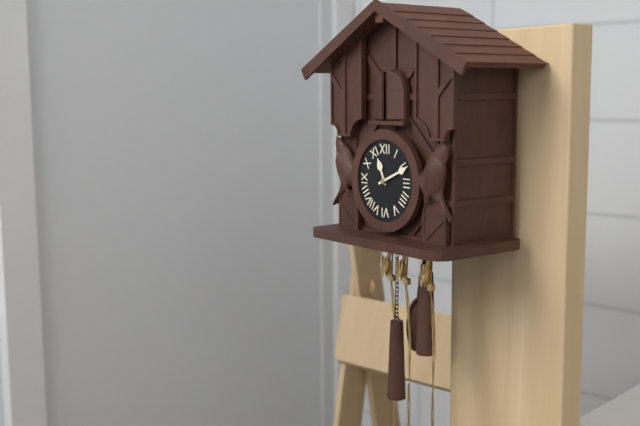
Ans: 11:11
